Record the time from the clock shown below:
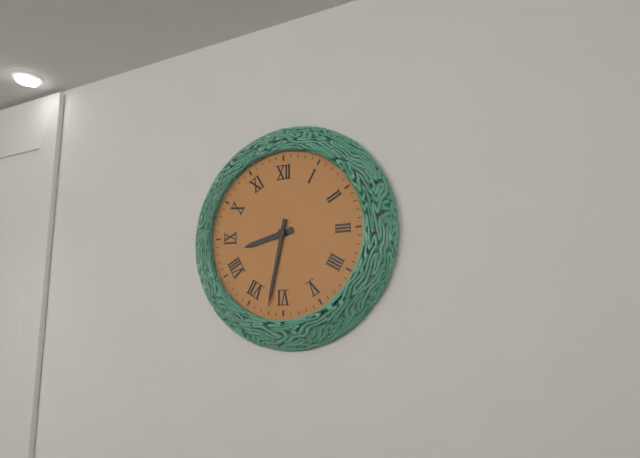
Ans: 8:32
